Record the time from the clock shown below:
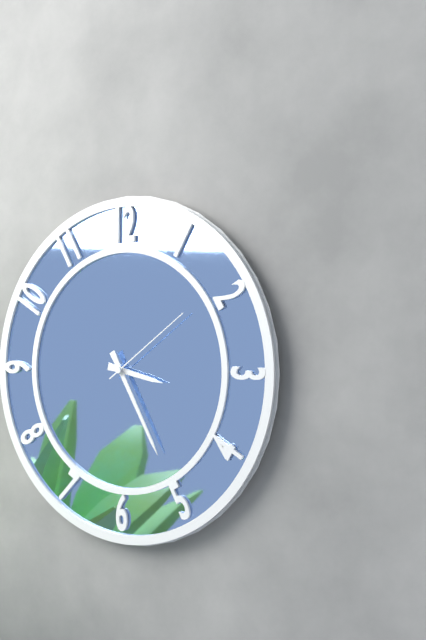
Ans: 3:25:09
